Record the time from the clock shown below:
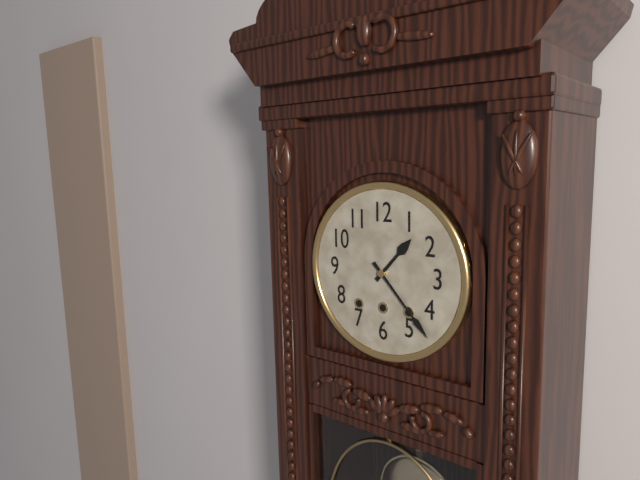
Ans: 1:23
